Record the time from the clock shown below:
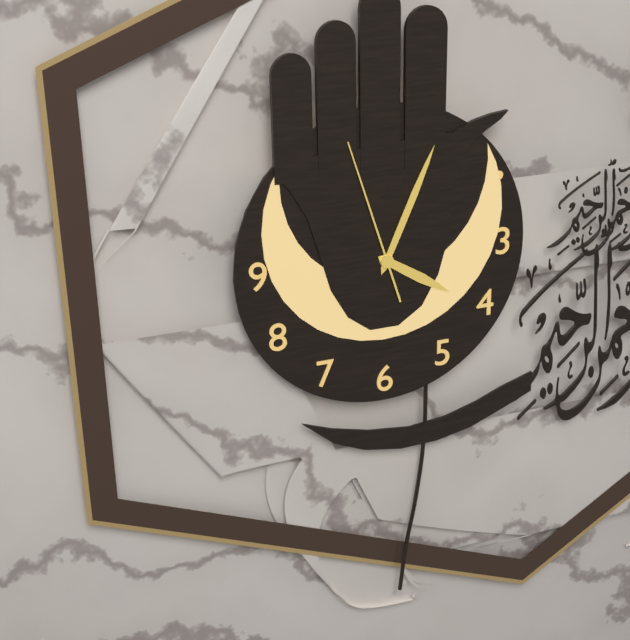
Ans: 4:04:57
